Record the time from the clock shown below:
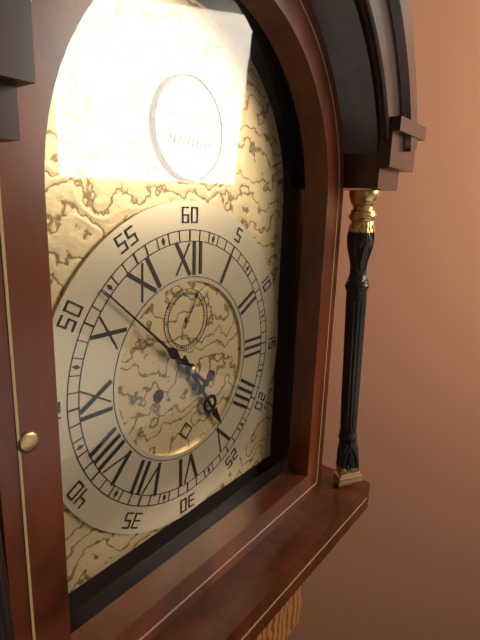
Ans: 4:52
